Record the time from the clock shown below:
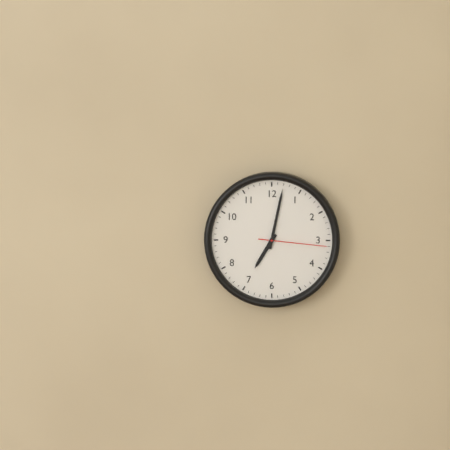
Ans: 7:02:16
